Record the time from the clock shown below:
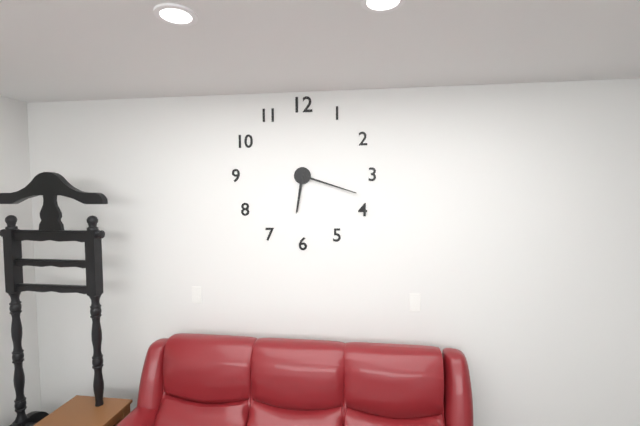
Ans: 6:18
